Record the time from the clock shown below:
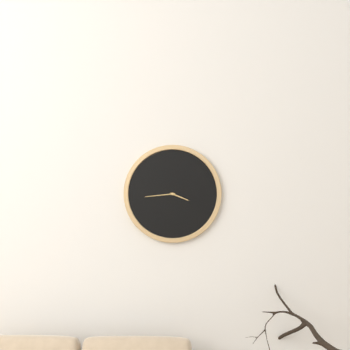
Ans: 3:44
